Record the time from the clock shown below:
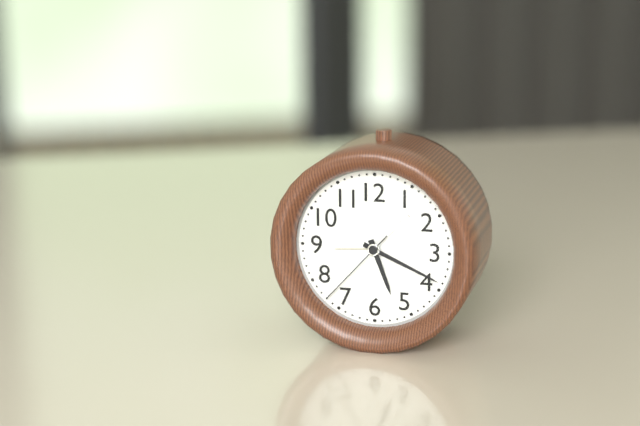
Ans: 5:19:37
